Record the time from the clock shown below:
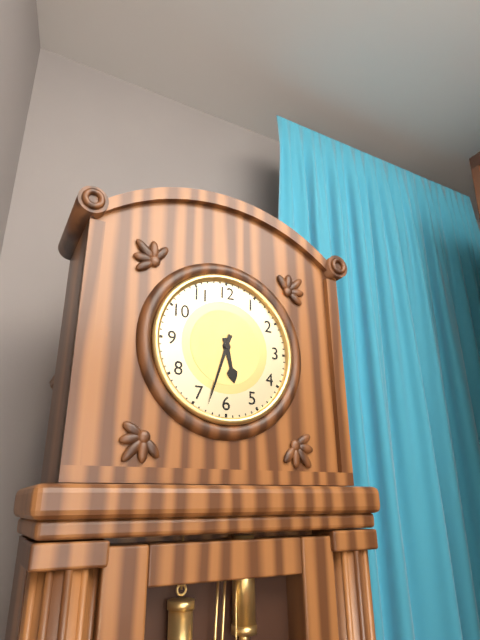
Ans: 5:33
